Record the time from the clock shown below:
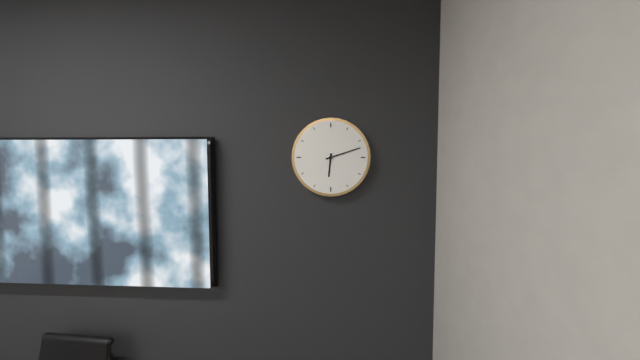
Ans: 6:12
